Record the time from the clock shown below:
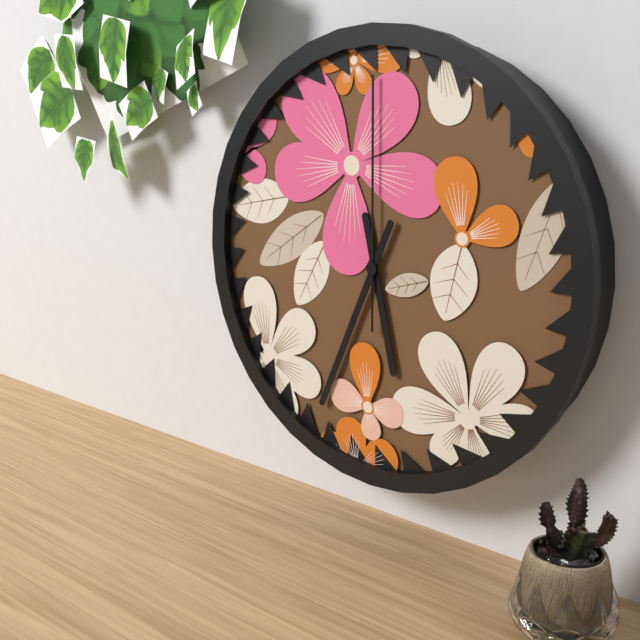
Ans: 5:34:00
